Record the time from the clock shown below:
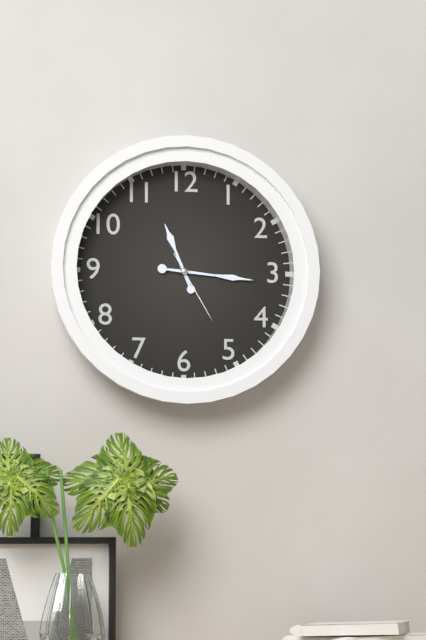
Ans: 11:16:25
